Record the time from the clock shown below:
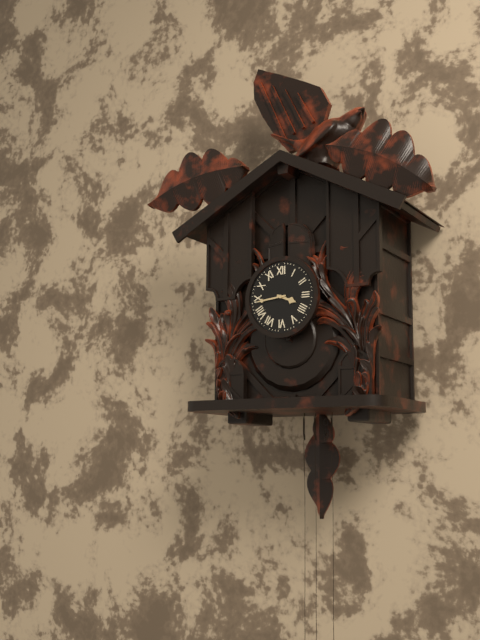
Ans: 3:44
